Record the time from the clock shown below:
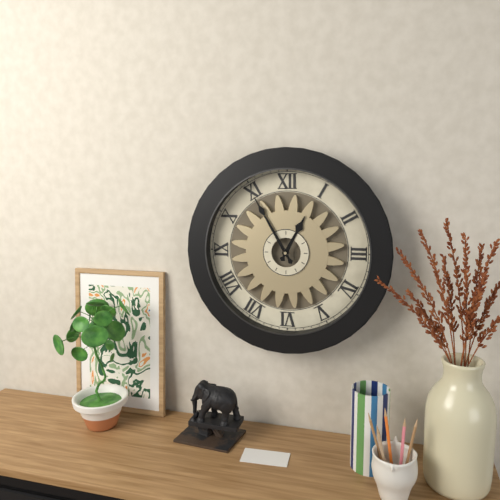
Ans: 12:55
